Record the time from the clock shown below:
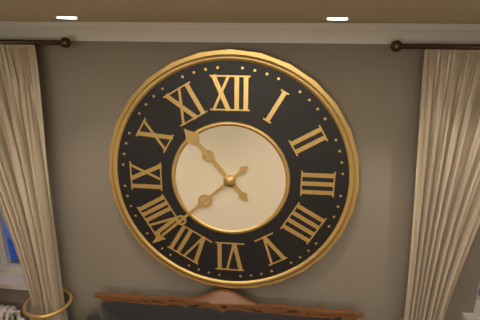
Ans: 10:38
